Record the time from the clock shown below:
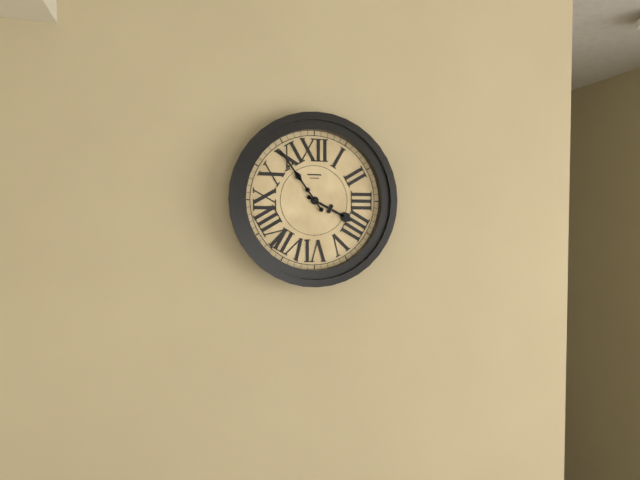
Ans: 3:54
